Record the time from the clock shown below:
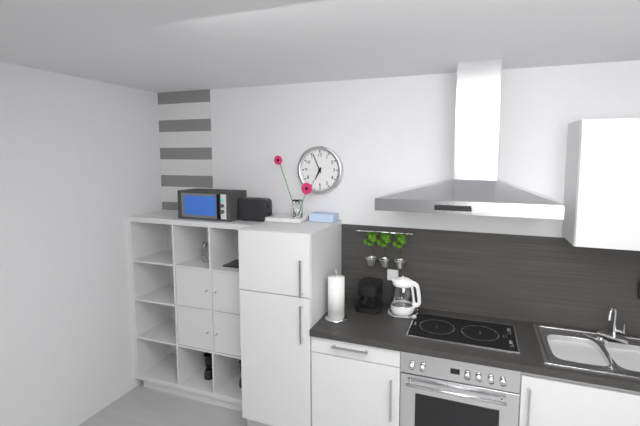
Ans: 6:56
